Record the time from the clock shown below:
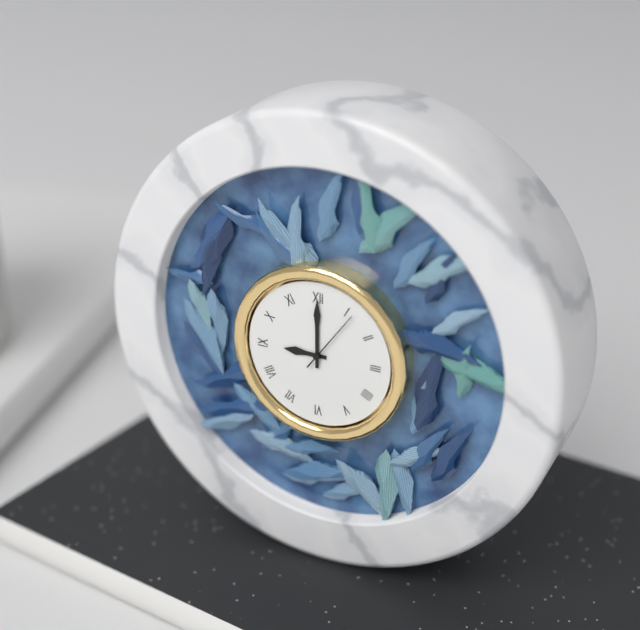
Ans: 9:00:06
